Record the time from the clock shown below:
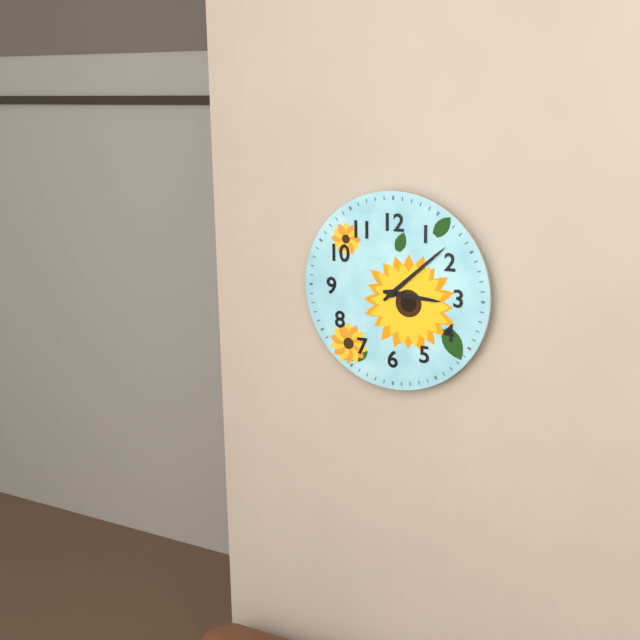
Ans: 3:08
